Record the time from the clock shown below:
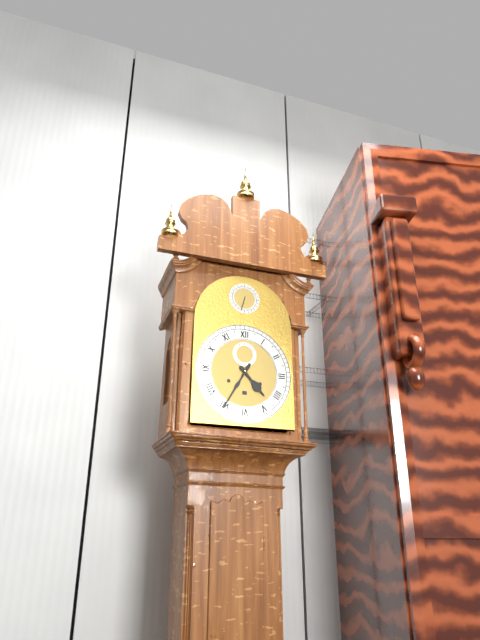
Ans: 4:35
